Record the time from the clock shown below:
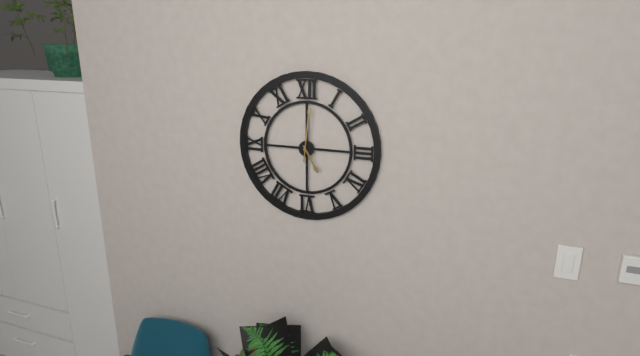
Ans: 5:01
